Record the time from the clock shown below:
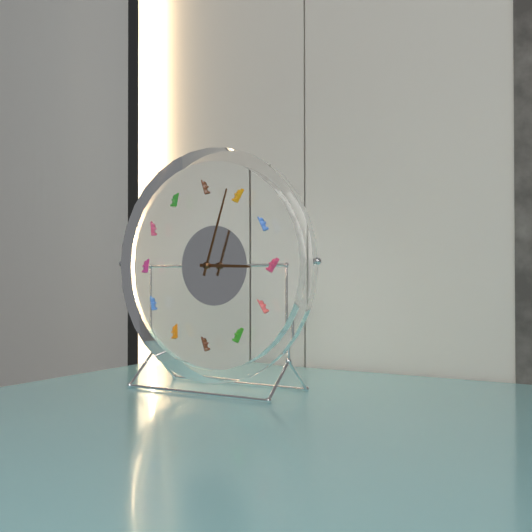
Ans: 3:03
